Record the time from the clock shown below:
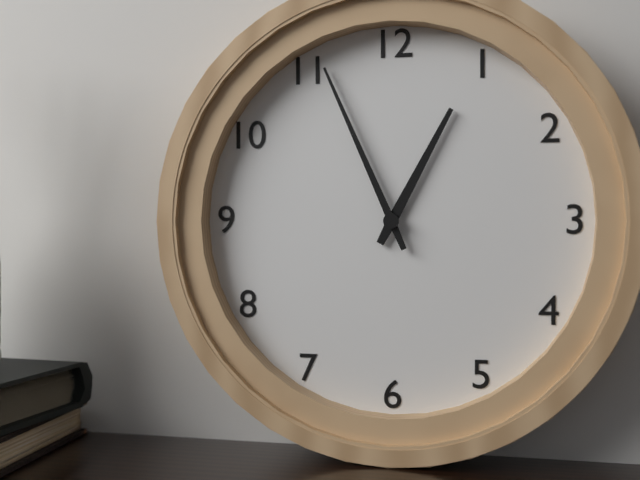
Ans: 12:56
